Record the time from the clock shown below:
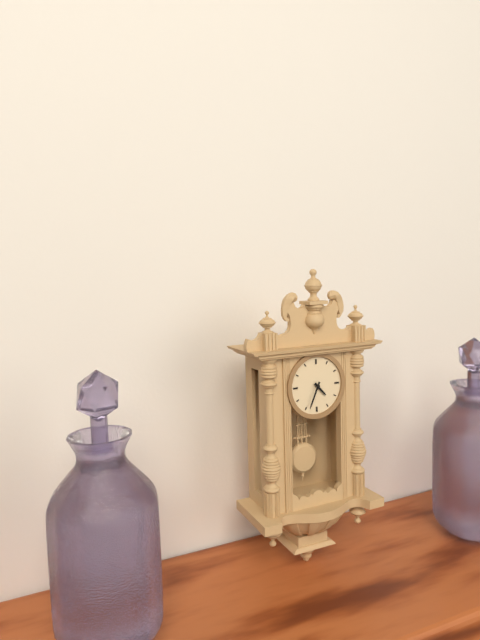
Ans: 4:34
